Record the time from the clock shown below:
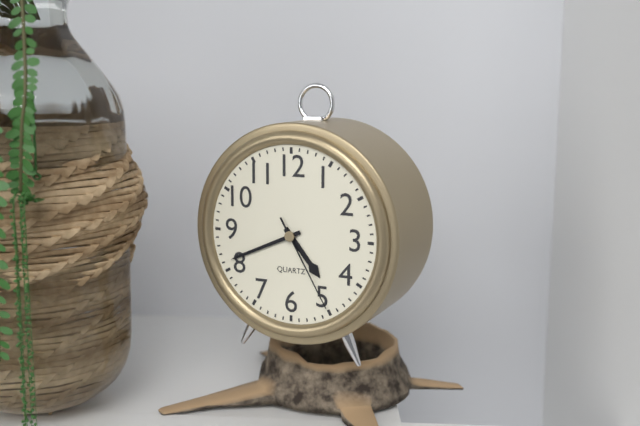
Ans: 4:41:25
